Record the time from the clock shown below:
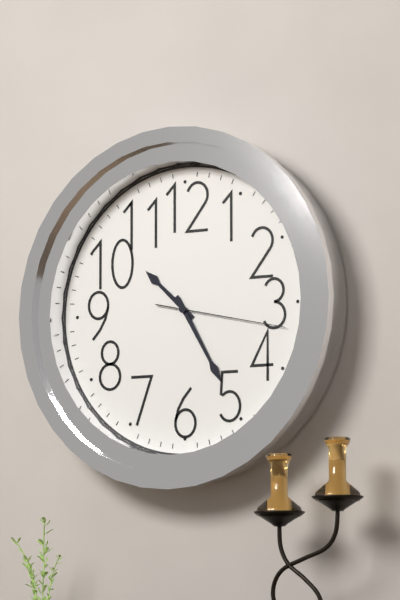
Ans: 10:25:17
